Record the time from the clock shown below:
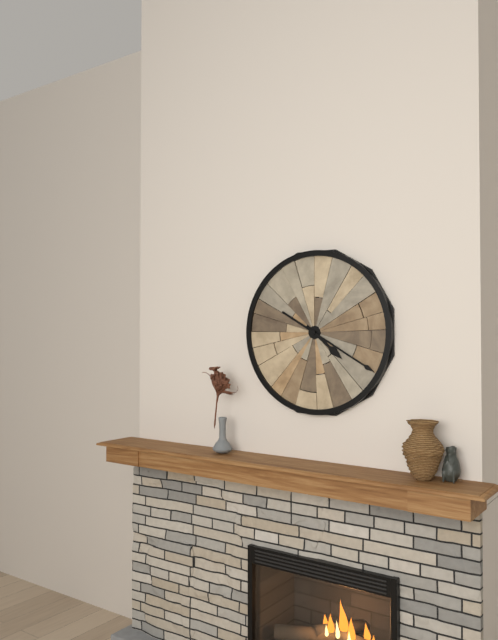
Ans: 4:20
